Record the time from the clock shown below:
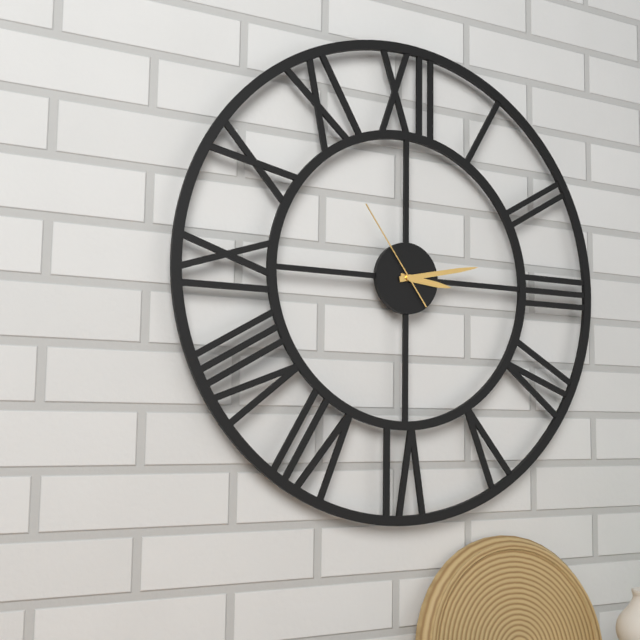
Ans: 3:13:54
